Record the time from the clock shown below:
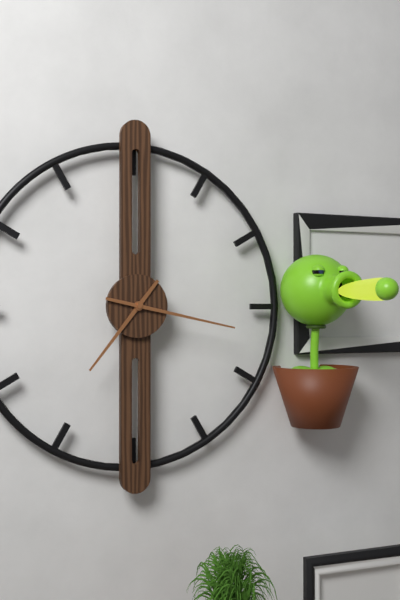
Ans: 7:17
